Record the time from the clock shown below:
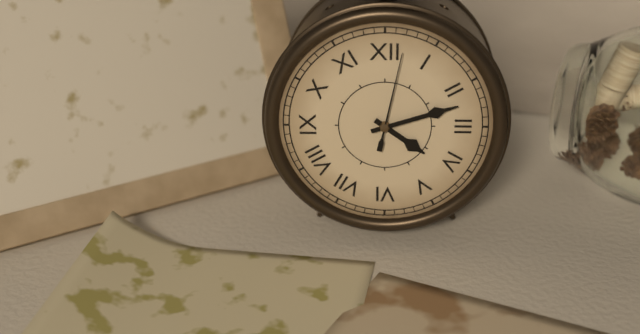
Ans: 4:12:02
